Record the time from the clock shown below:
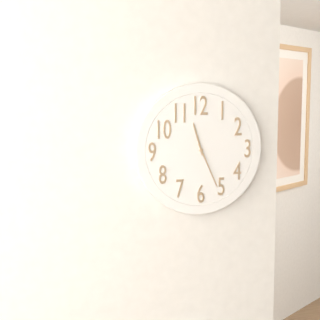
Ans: 11:26
